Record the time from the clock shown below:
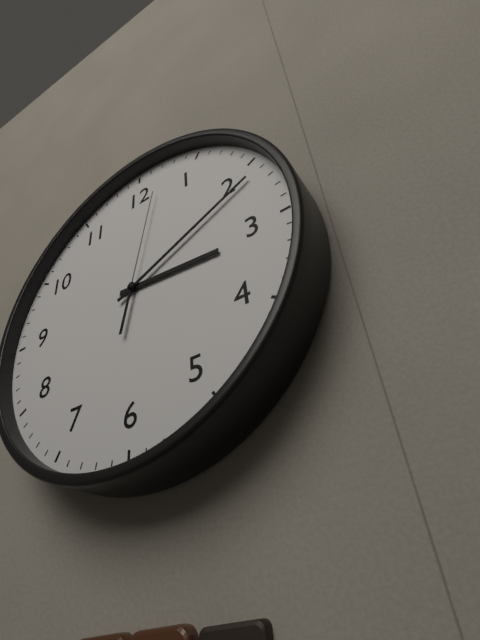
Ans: 3:11:02
